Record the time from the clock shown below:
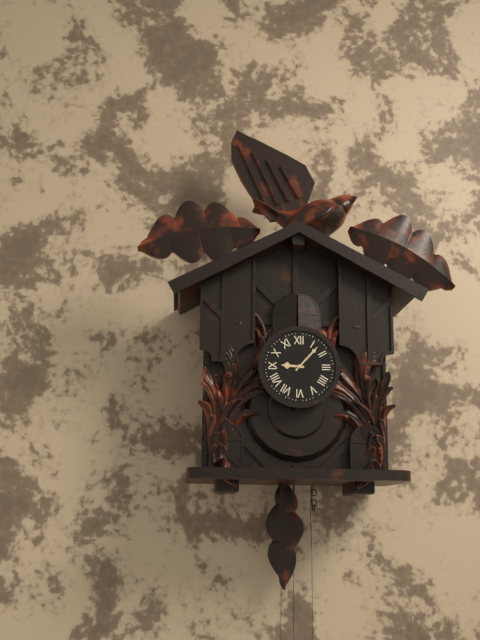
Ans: 9:07
